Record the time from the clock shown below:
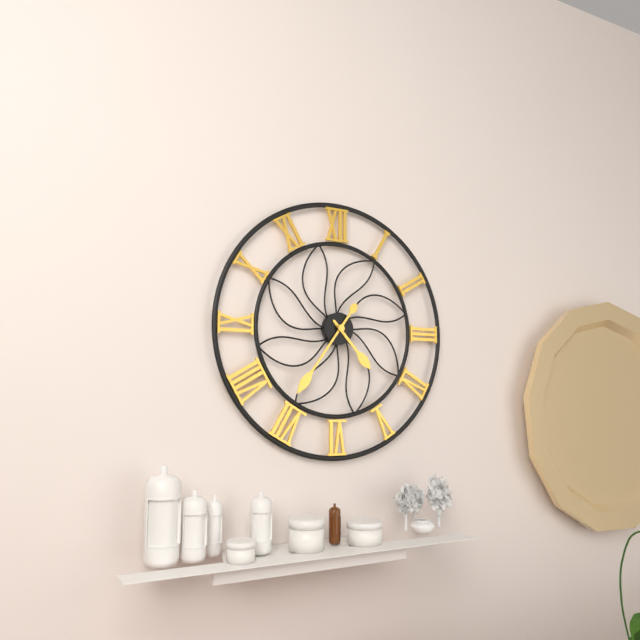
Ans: 4:36
